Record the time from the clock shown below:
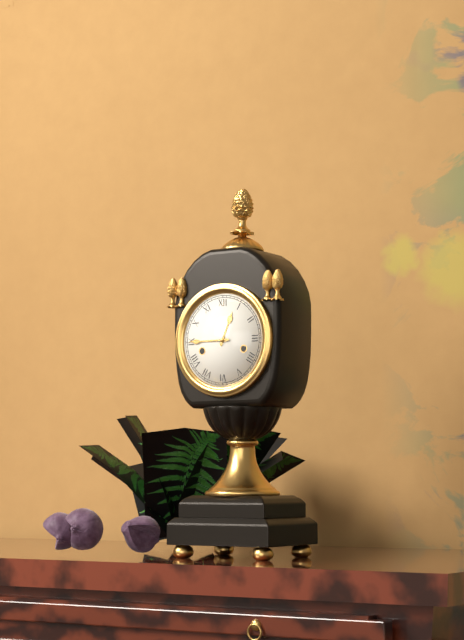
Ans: 12:45
